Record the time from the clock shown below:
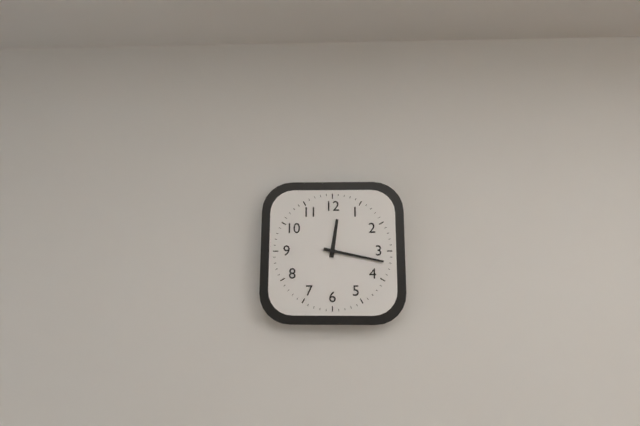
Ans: 12:17
